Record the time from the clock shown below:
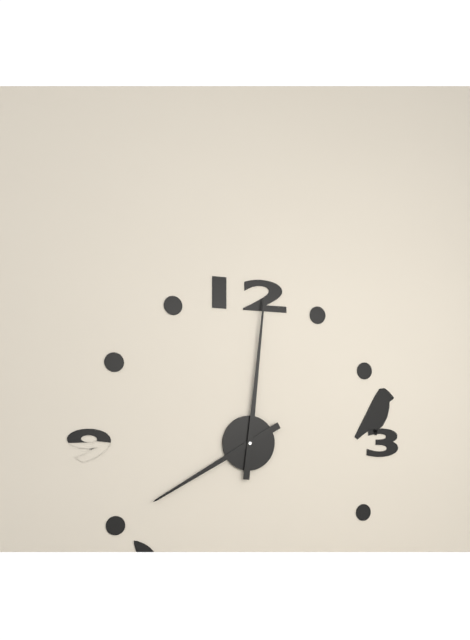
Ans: 8:01
